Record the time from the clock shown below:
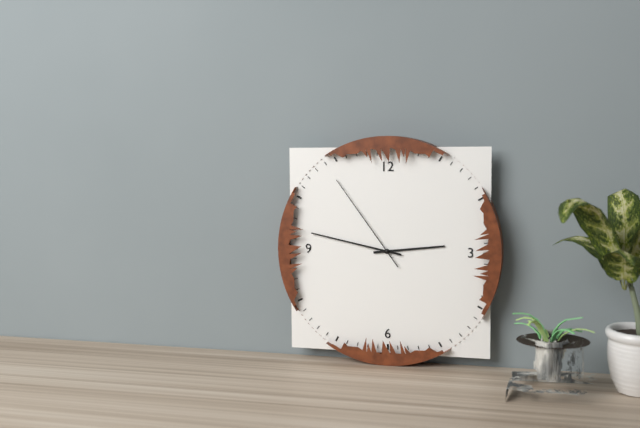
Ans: 2:47:54
